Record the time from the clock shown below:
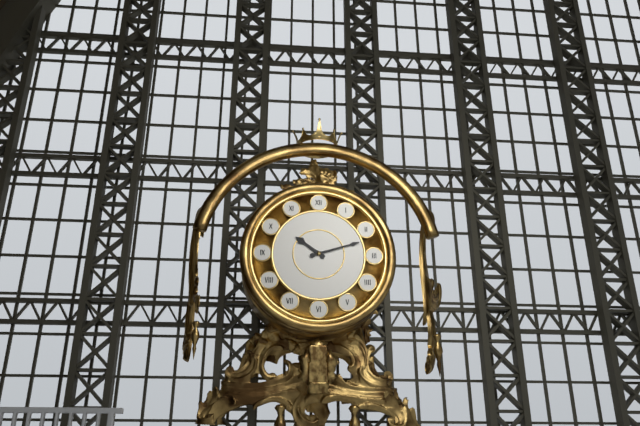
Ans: 10:12
